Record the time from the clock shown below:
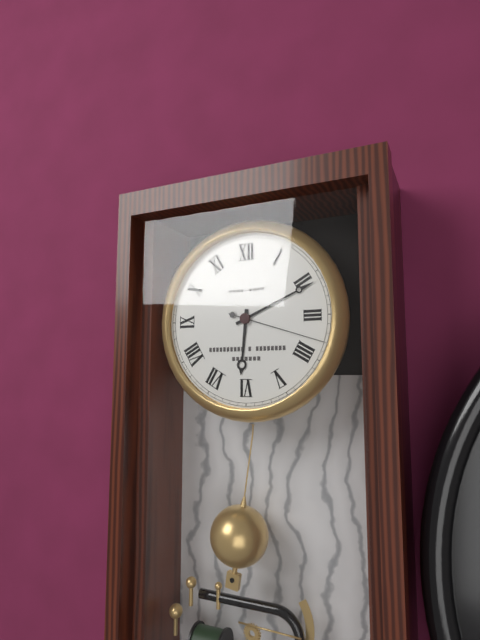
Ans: 6:11:18
